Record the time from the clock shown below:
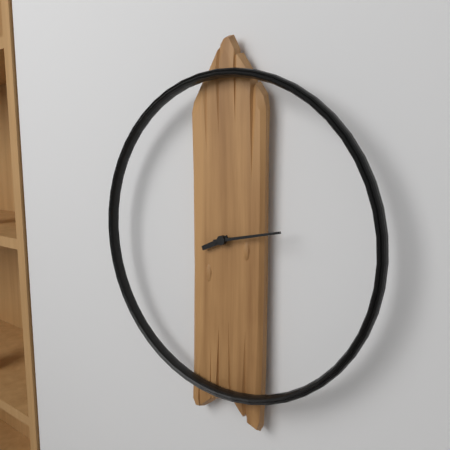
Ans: 8:13
